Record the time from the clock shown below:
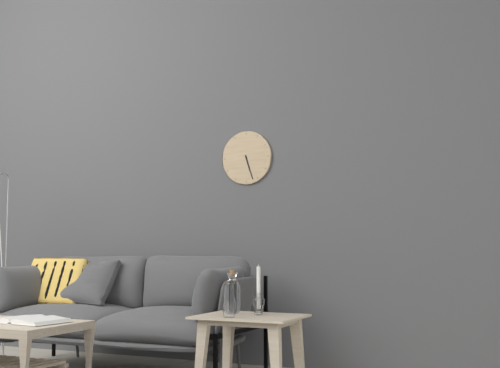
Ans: 5:27
